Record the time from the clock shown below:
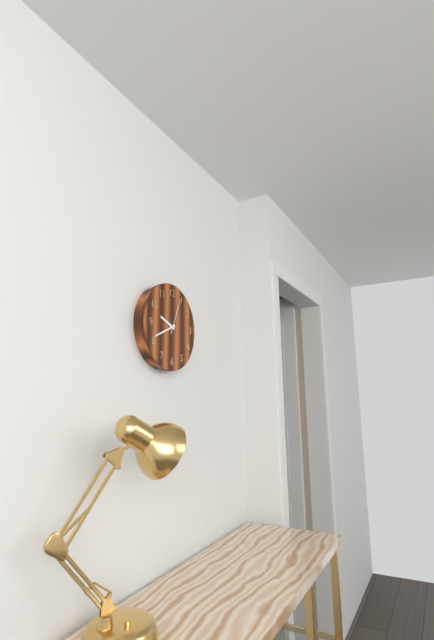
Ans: 9:41
